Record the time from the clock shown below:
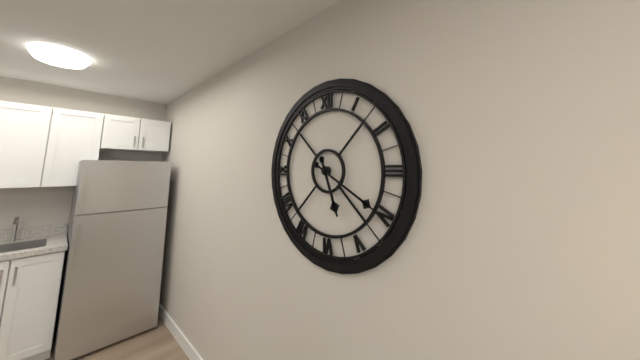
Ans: 5:20
